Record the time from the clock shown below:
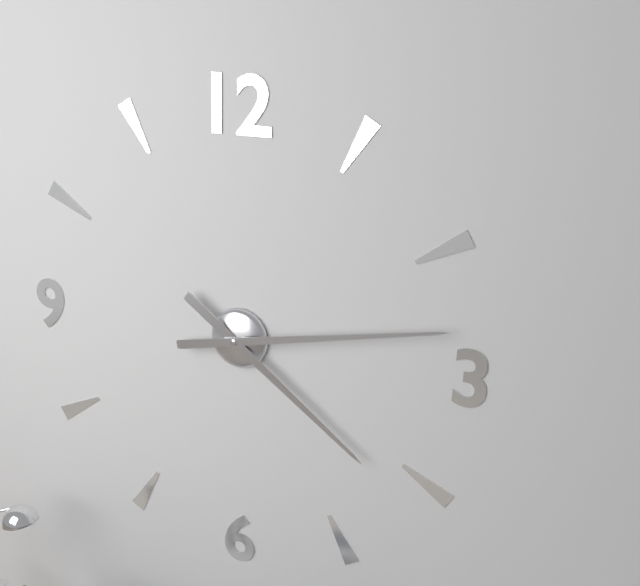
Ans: 4:13
